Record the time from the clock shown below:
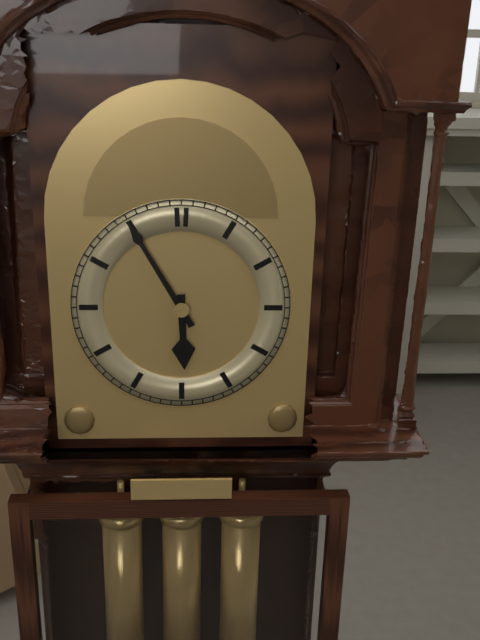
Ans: 5:55
